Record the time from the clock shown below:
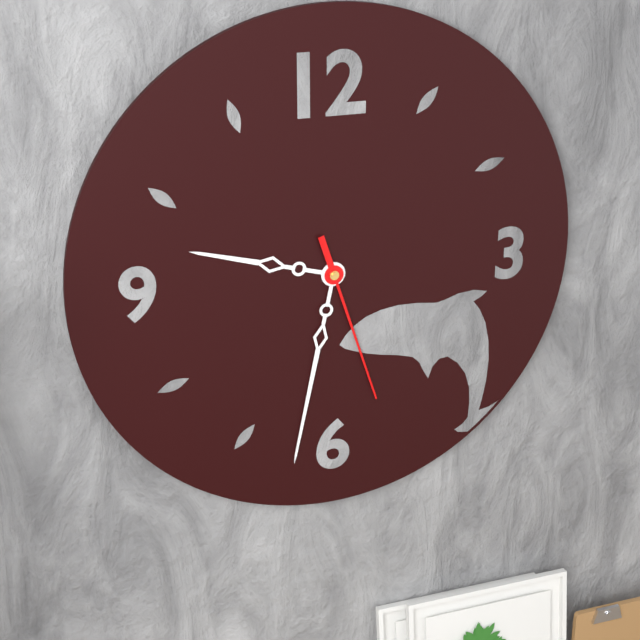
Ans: 9:32:27
